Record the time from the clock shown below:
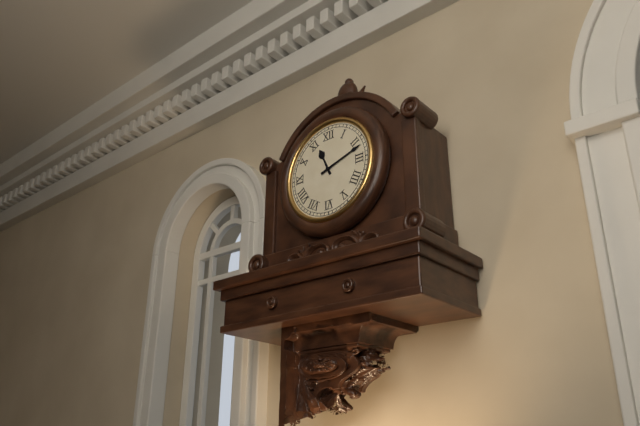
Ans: 11:12
